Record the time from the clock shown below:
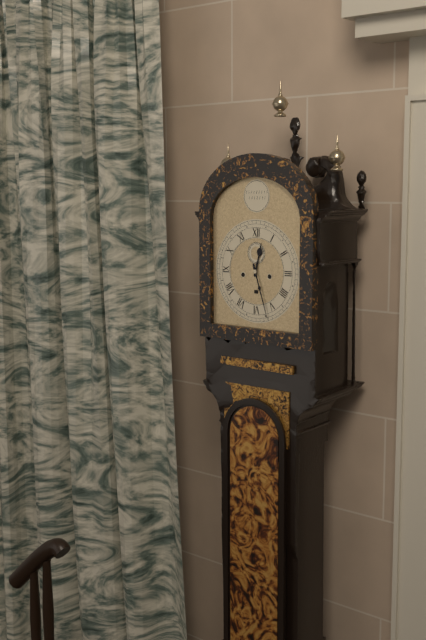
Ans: 12:27
